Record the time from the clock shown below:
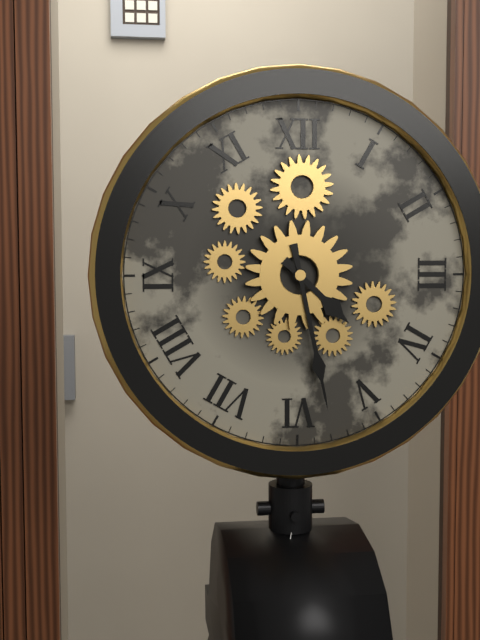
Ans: 4:28
